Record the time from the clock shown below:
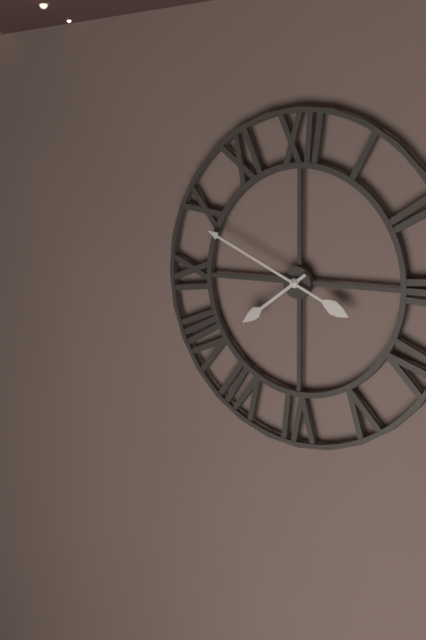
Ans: 7:49
